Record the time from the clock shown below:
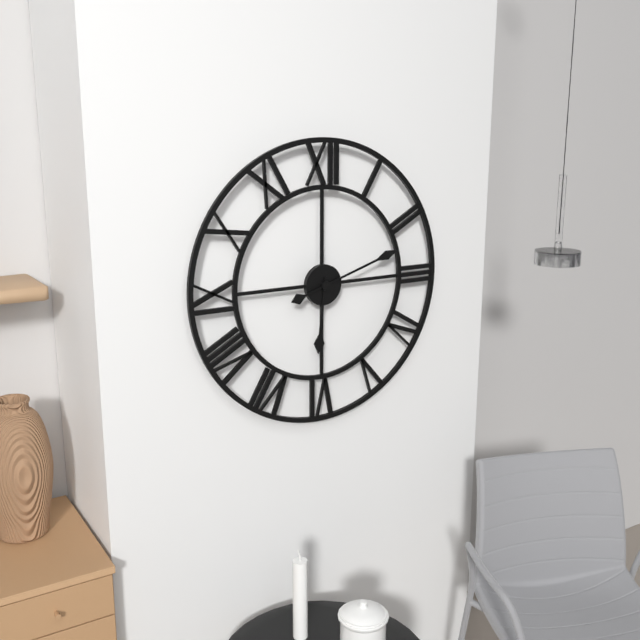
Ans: 6:12
